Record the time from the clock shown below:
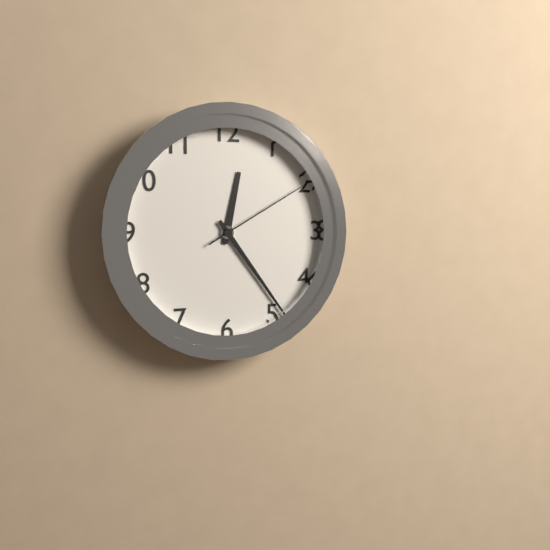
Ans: 12:24:10
